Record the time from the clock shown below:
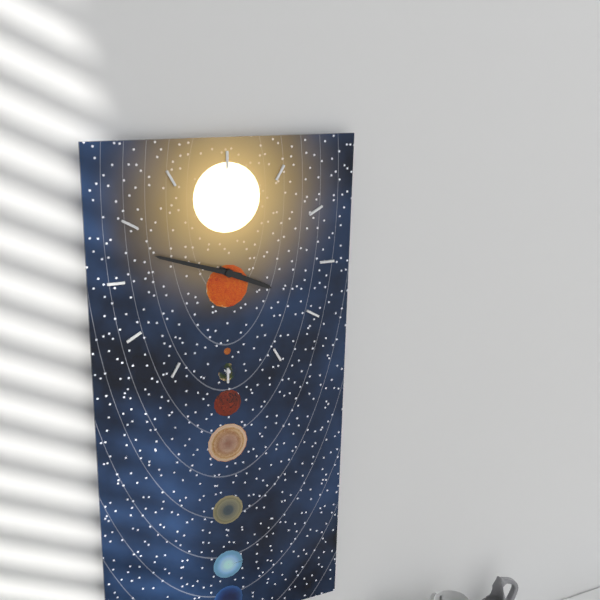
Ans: 3:48
